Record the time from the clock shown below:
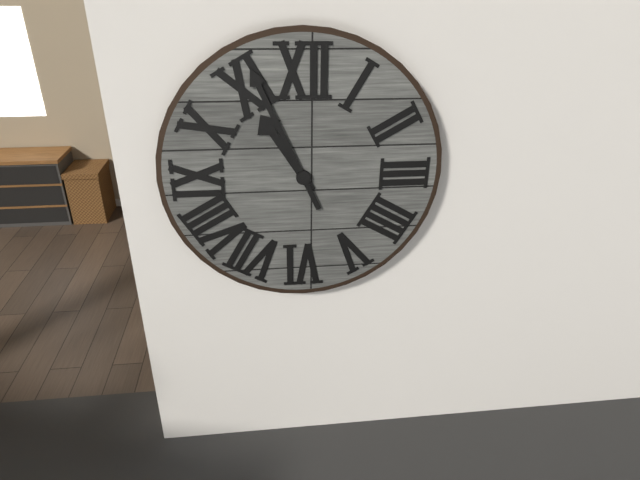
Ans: 10:56
